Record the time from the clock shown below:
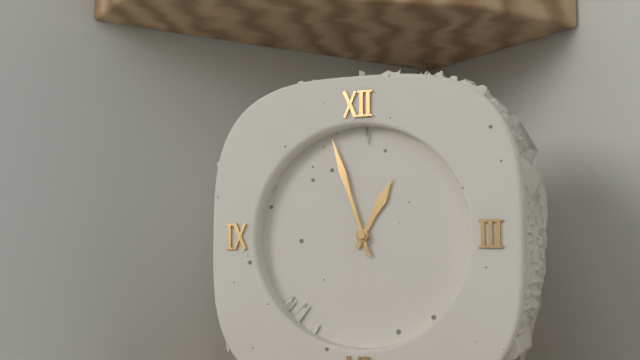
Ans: 12:57
